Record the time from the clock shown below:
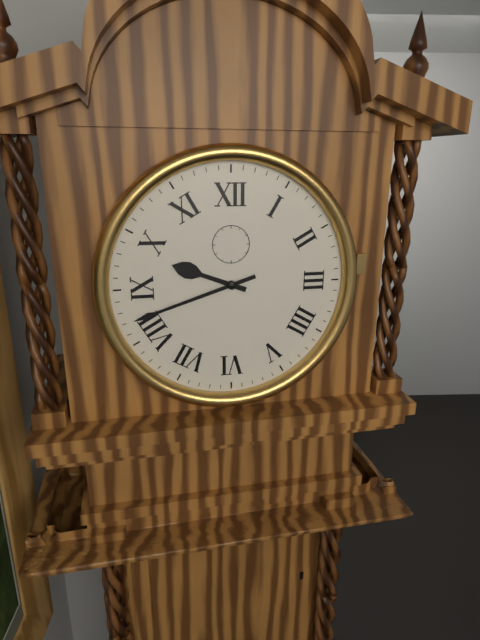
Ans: 9:42
